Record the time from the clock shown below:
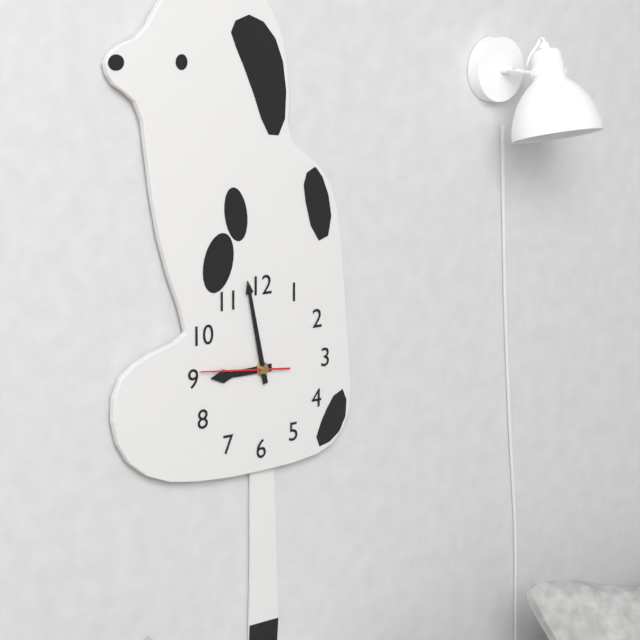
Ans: 8:58:46
